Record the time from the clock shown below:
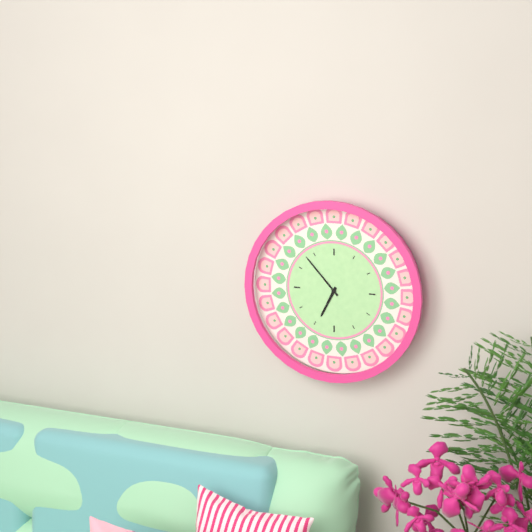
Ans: 6:53
